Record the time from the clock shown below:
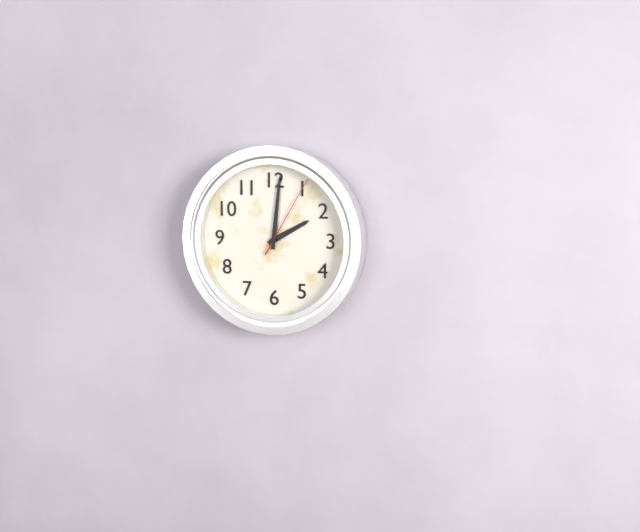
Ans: 2:01:05
